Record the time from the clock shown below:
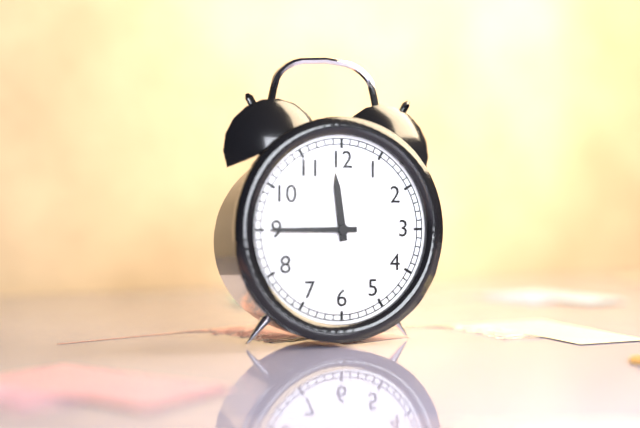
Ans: 11:45
